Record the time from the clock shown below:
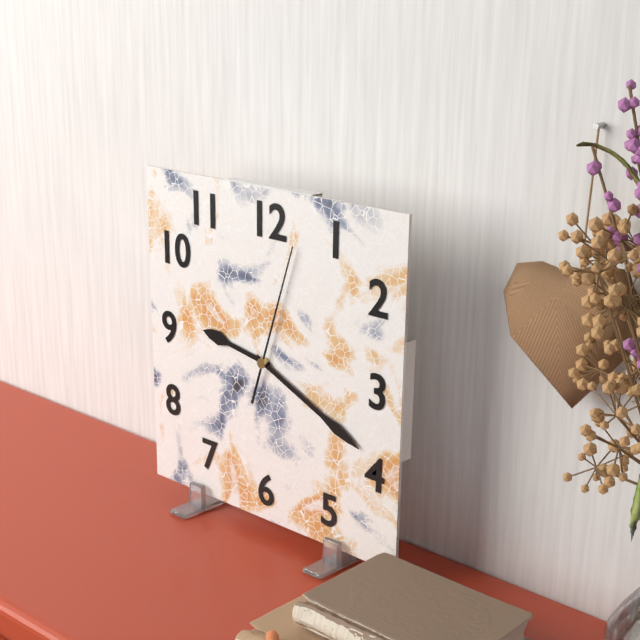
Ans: 9:19:03
